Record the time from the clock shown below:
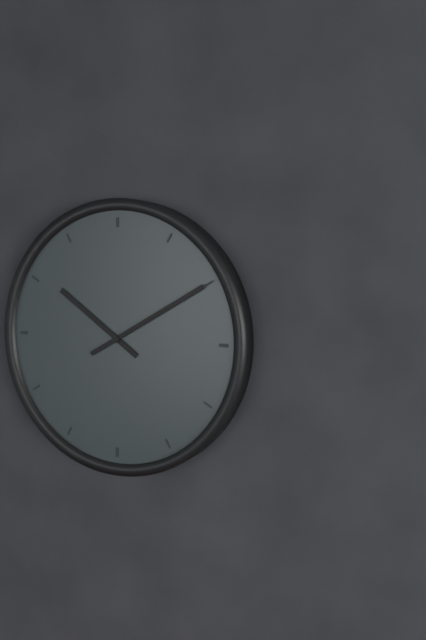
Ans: 10:10
